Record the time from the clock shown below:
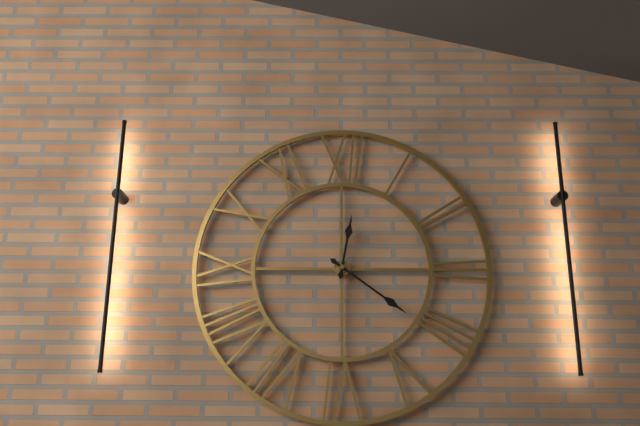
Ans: 12:21
